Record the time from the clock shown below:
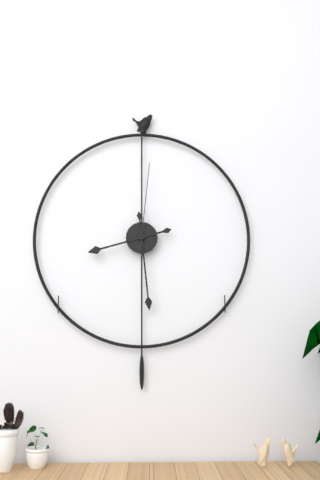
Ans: 8:29:01
